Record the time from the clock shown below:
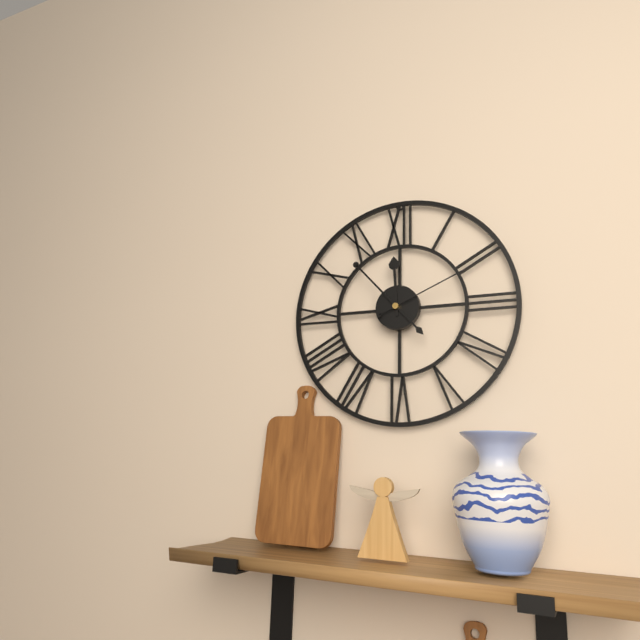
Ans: 11:53:11
